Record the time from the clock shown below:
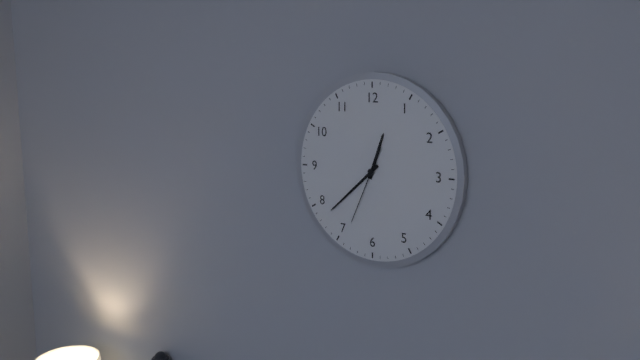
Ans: 12:38:34
